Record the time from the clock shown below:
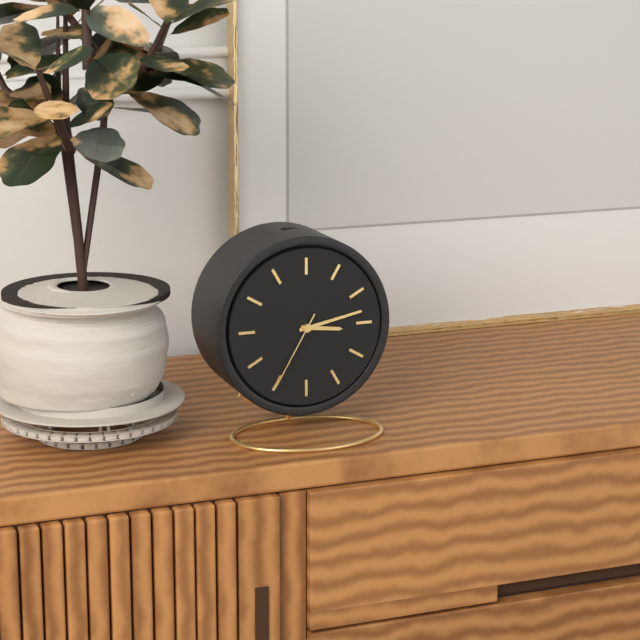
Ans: 3:13:35
